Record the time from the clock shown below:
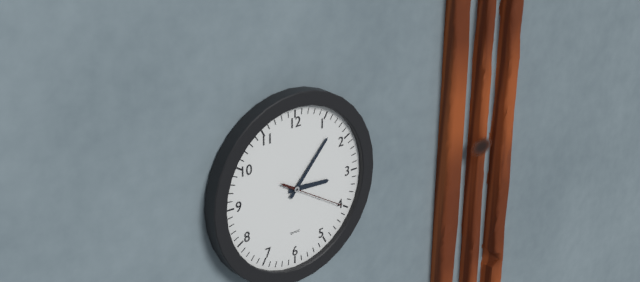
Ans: 3:07:20
